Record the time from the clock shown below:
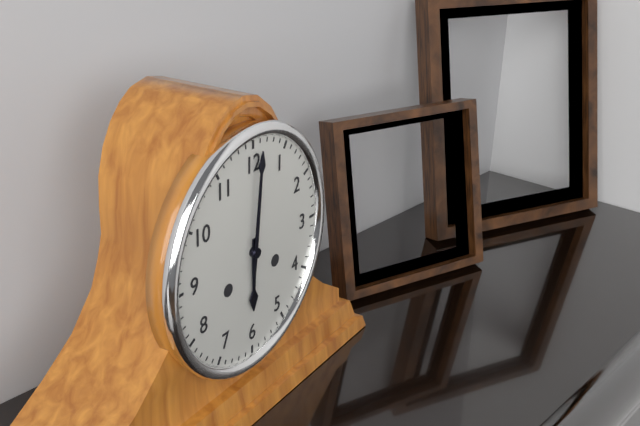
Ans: 6:01
